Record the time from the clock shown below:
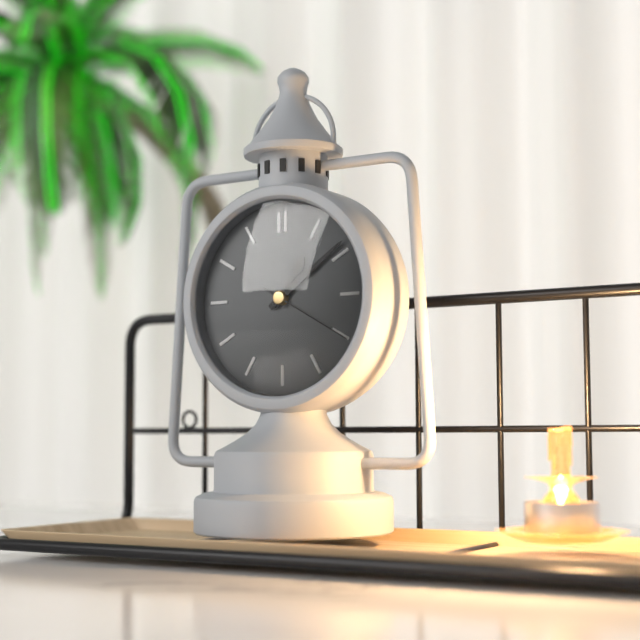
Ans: 1:09:20
